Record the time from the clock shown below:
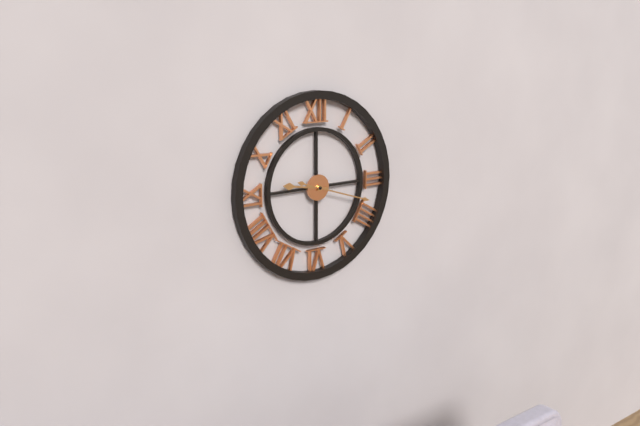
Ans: 9:18
